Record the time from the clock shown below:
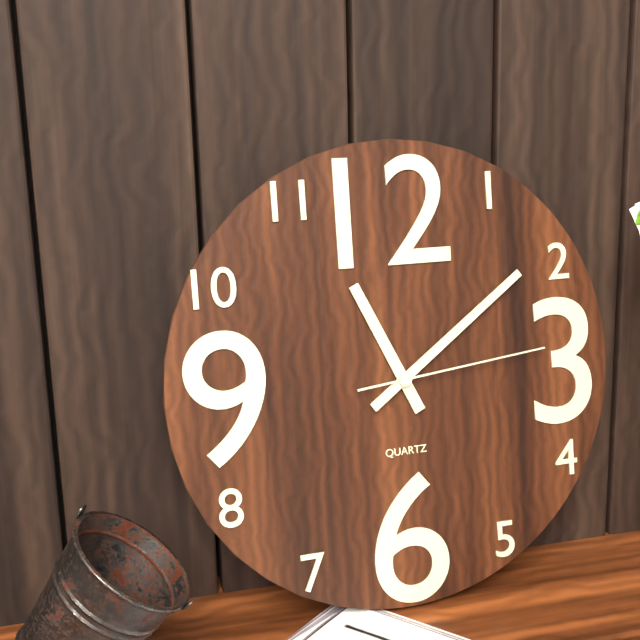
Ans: 11:09:14
